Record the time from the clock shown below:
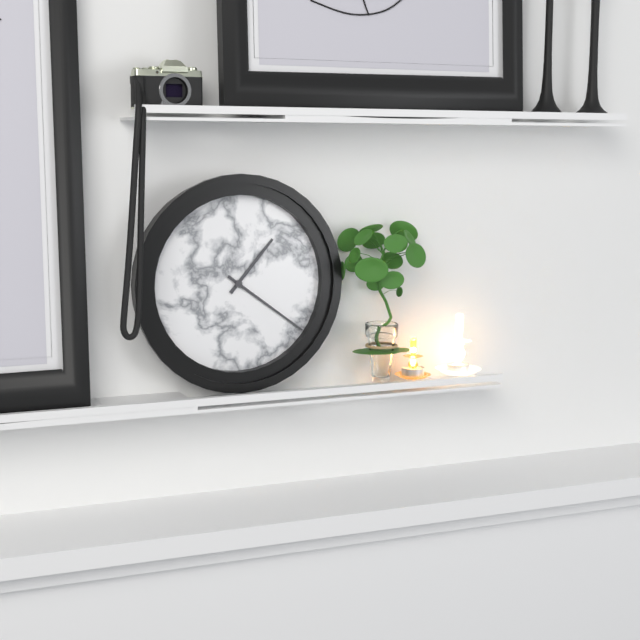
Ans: 1:21
